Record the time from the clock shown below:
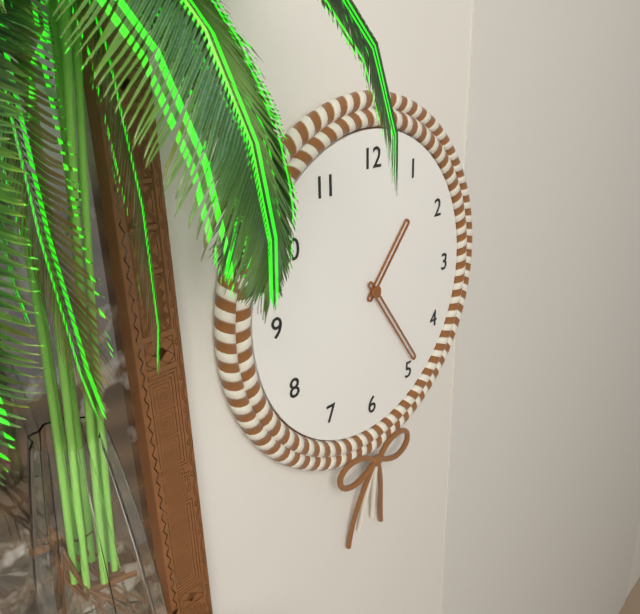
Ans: 1:24
